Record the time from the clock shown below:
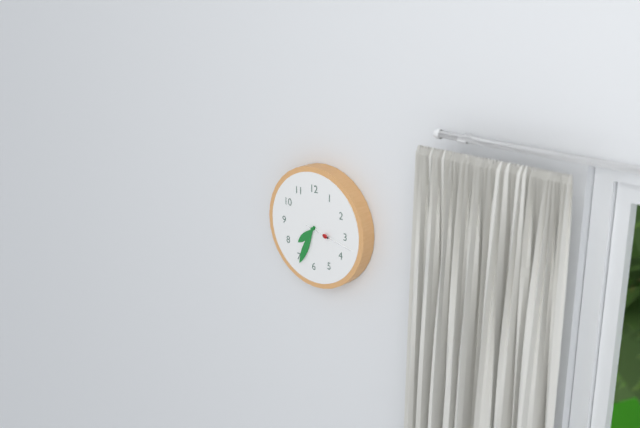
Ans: 7:34:17
